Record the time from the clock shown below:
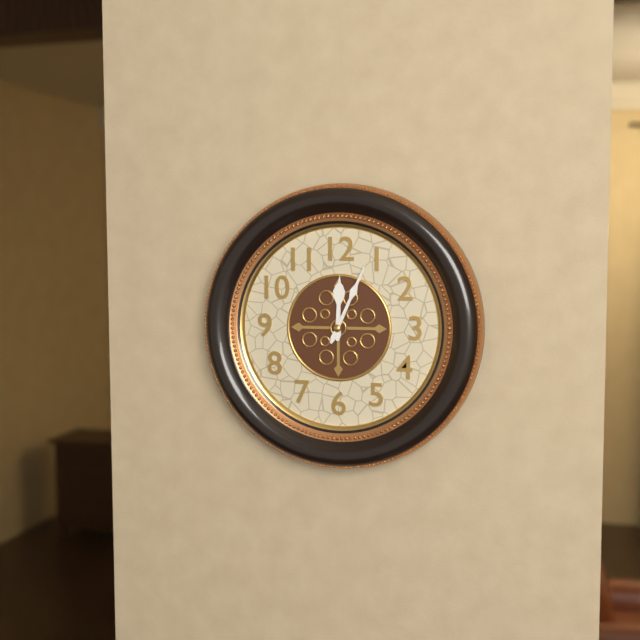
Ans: 12:04
